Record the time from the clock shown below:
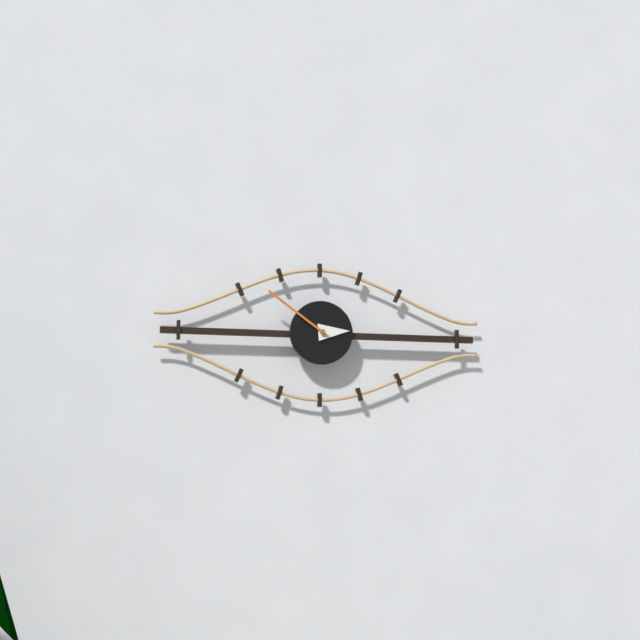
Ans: 2:51
